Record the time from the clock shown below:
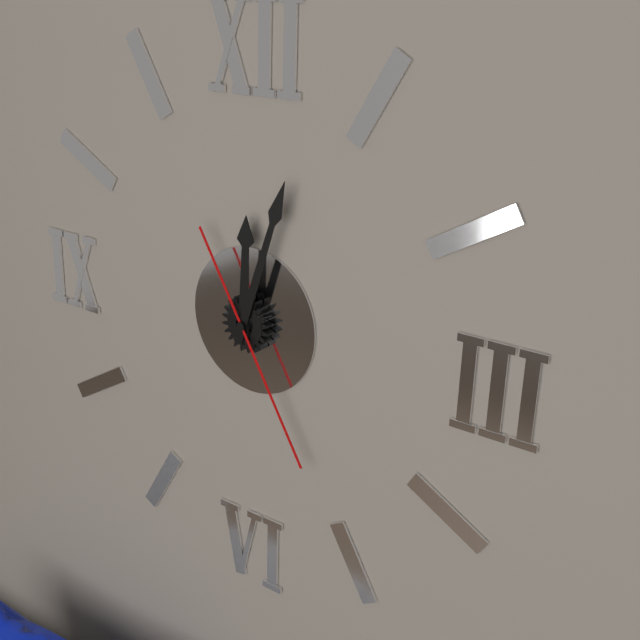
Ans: 12:03:25
